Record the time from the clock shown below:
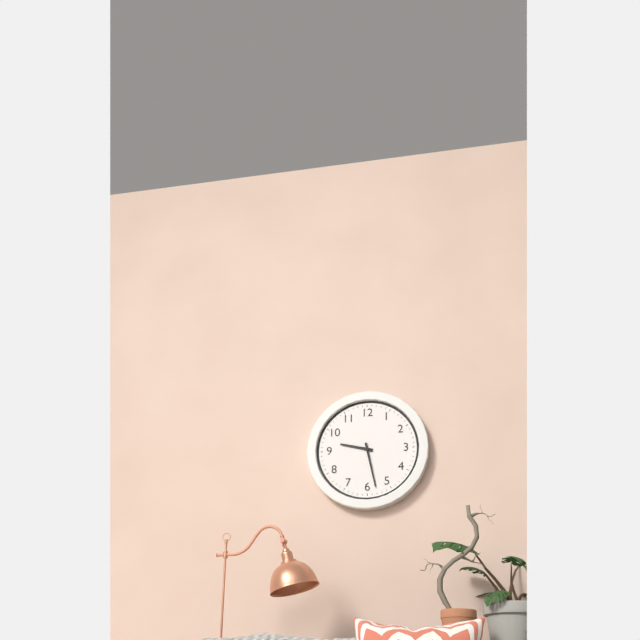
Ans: 9:28
